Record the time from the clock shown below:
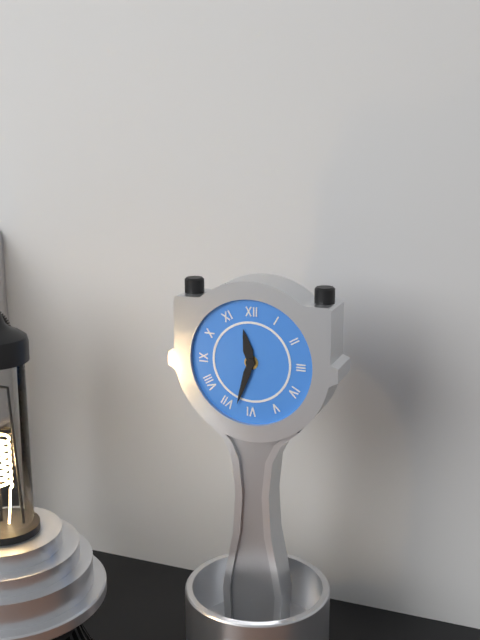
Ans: 11:33
